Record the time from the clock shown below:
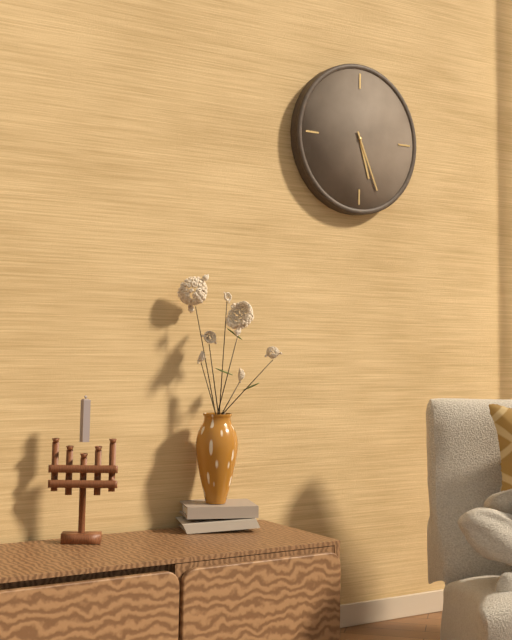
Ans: 5:26
